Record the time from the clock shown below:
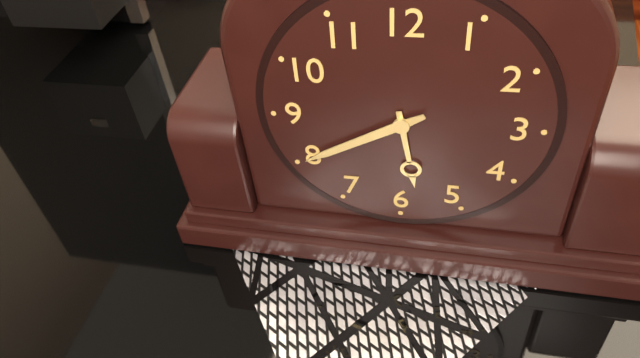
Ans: 5:40
